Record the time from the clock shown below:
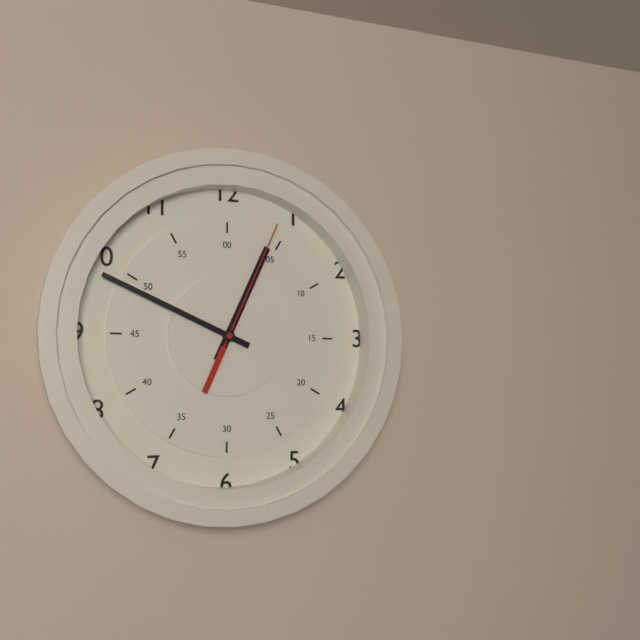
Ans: 12:49:04
